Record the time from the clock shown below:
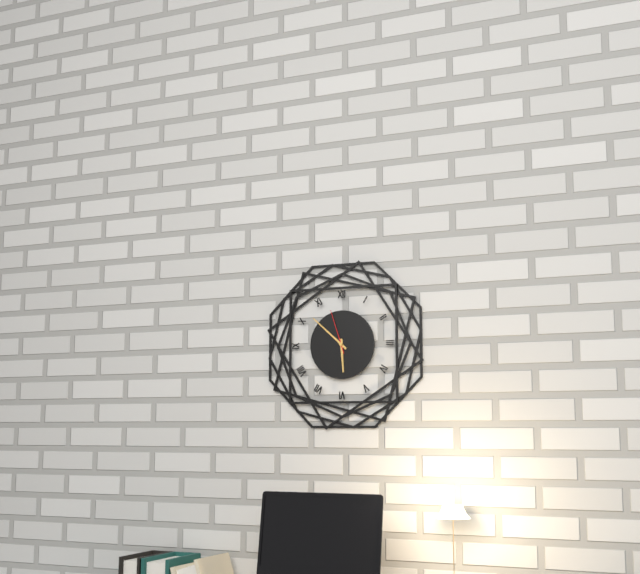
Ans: 5:52
